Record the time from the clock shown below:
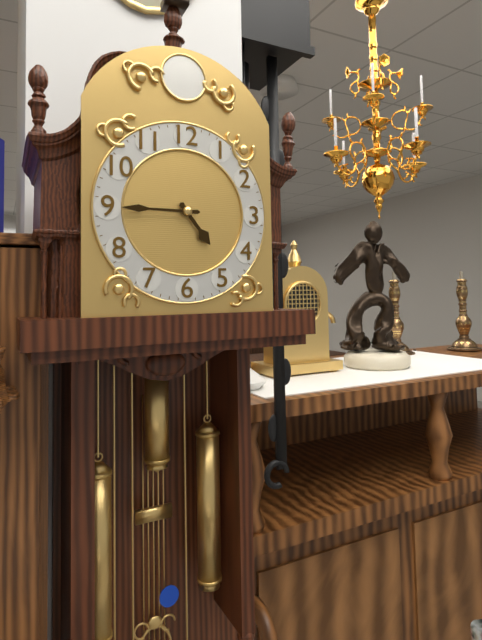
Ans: 4:45
